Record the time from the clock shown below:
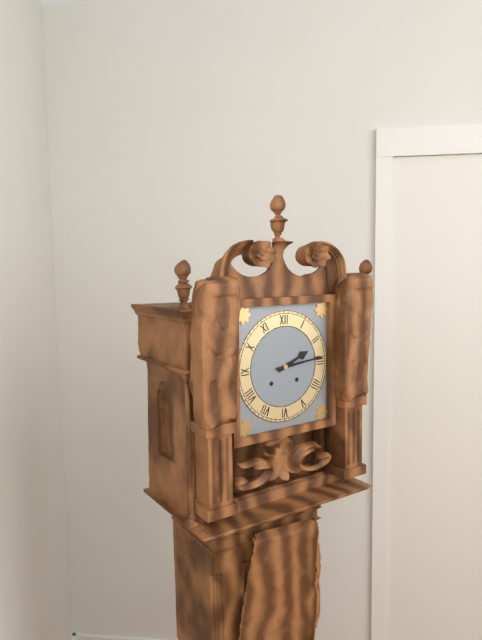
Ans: 2:14
